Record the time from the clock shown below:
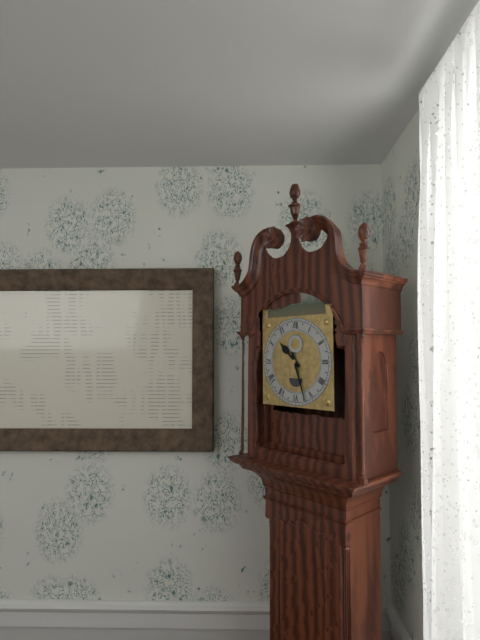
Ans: 10:27
